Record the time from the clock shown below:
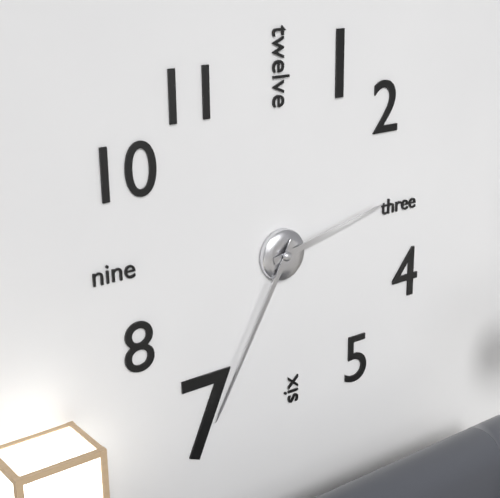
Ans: 2:35
